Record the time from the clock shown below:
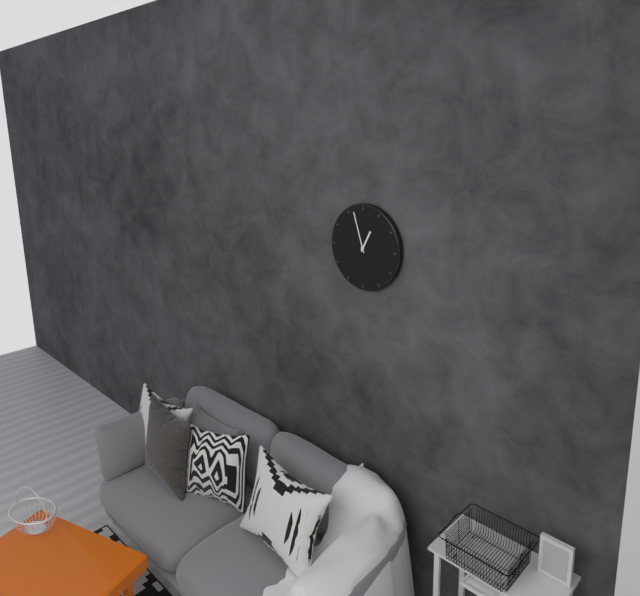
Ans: 12:57
